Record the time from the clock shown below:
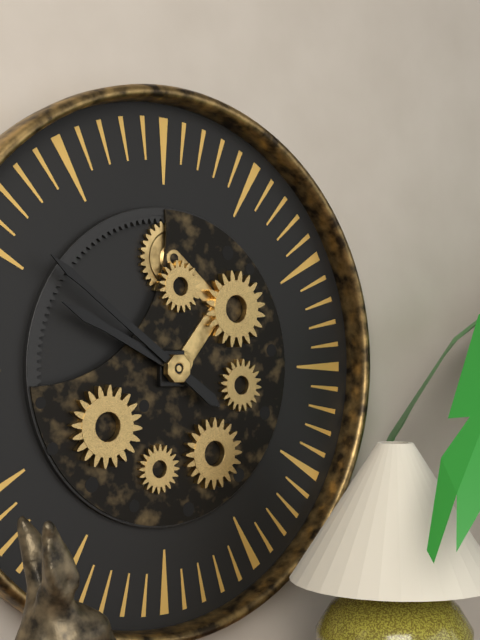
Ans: 9:51
